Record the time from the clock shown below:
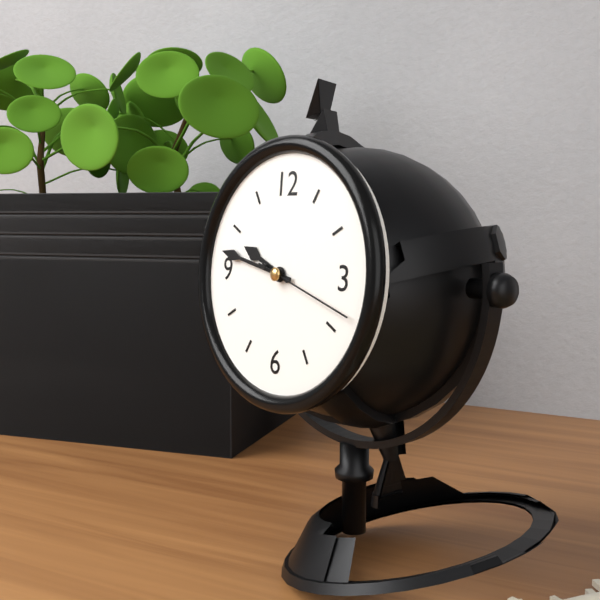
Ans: 9:47:18
